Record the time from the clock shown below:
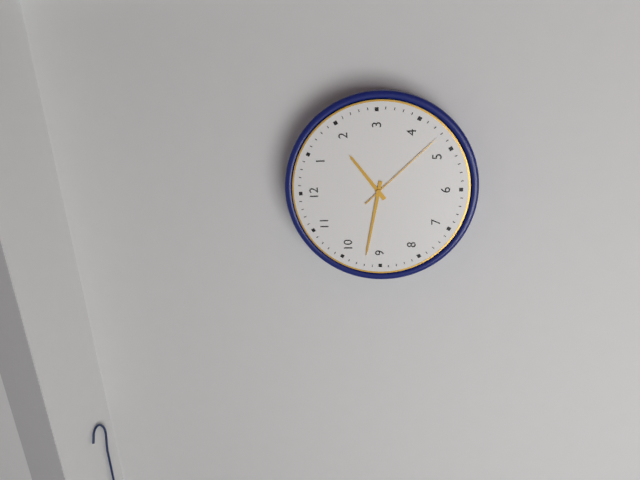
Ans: 1:47:23
